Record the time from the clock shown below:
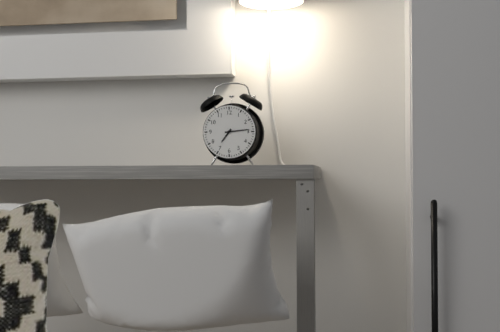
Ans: 7:14
